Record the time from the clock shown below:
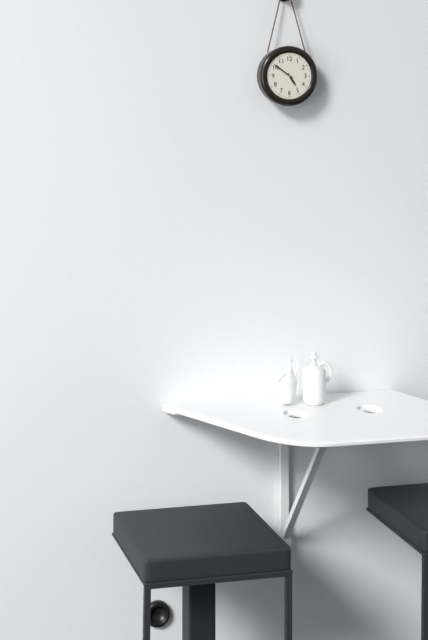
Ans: 4:51
